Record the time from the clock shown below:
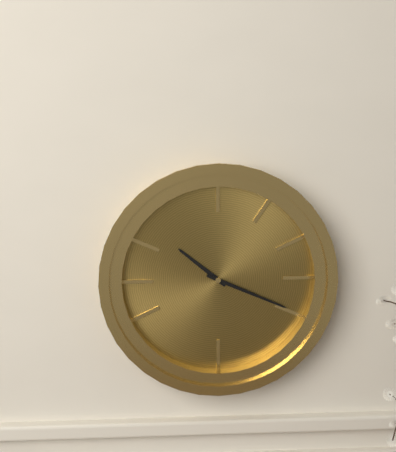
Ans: 10:19
